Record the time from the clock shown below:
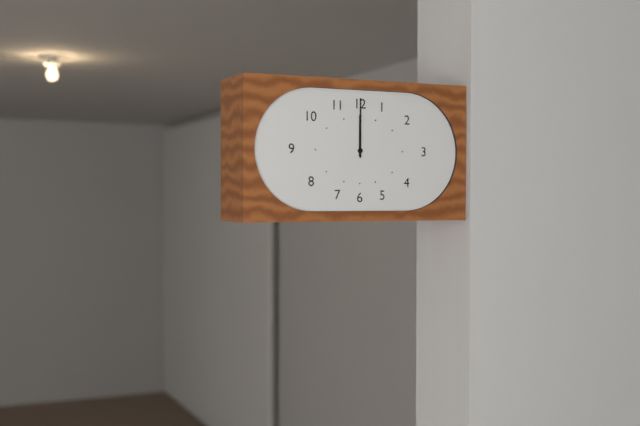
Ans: 12:00
